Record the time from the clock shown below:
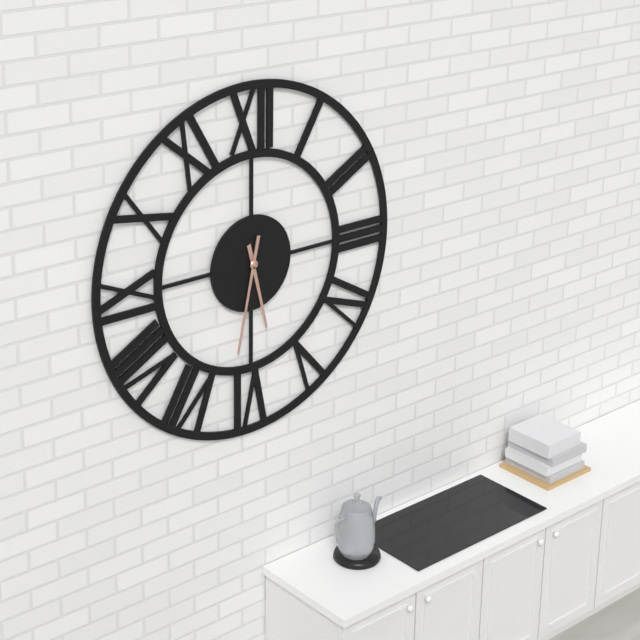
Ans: 5:32
